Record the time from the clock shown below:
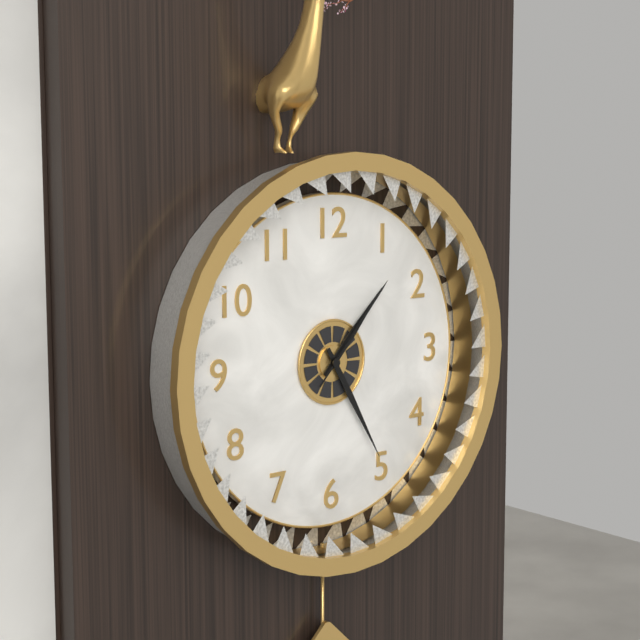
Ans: 1:25:07
